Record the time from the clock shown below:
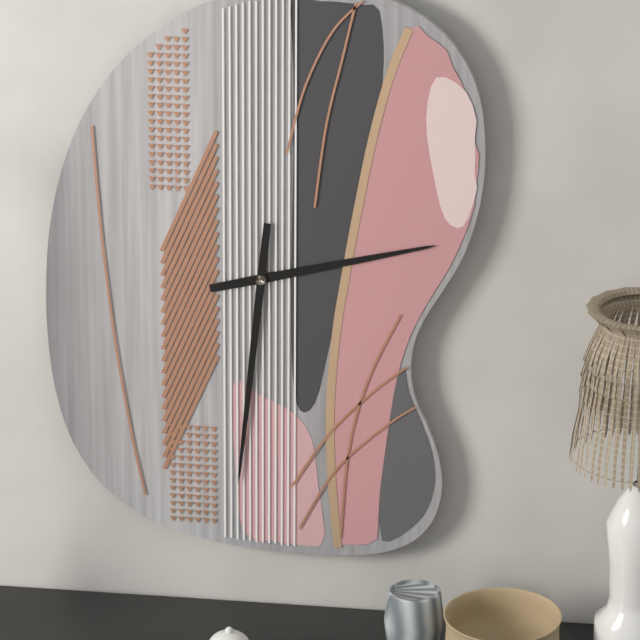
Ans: 2:31
